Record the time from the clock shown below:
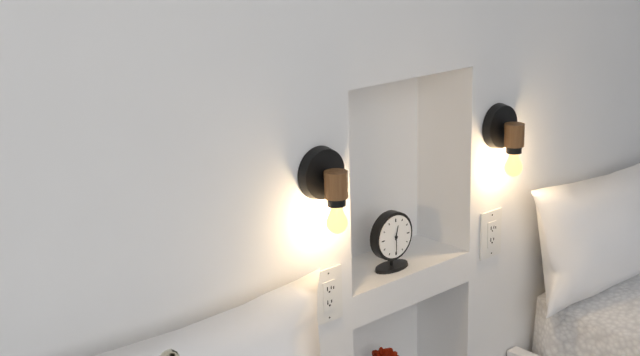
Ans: 12:30
